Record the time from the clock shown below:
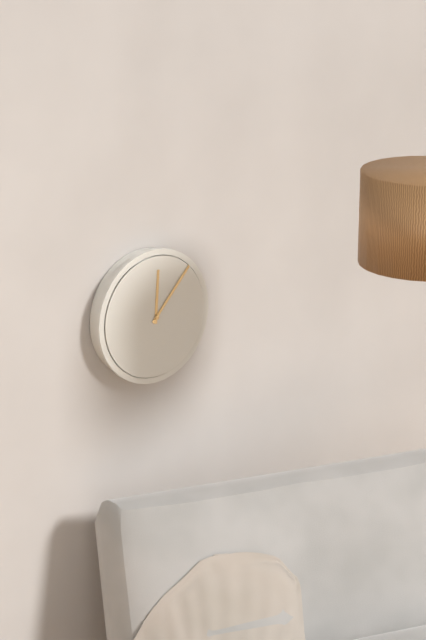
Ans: 12:07
